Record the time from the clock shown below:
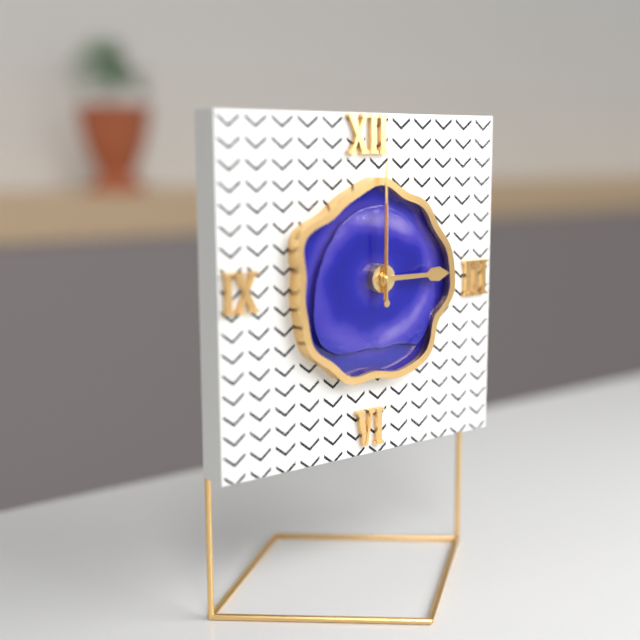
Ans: 3:00:00
